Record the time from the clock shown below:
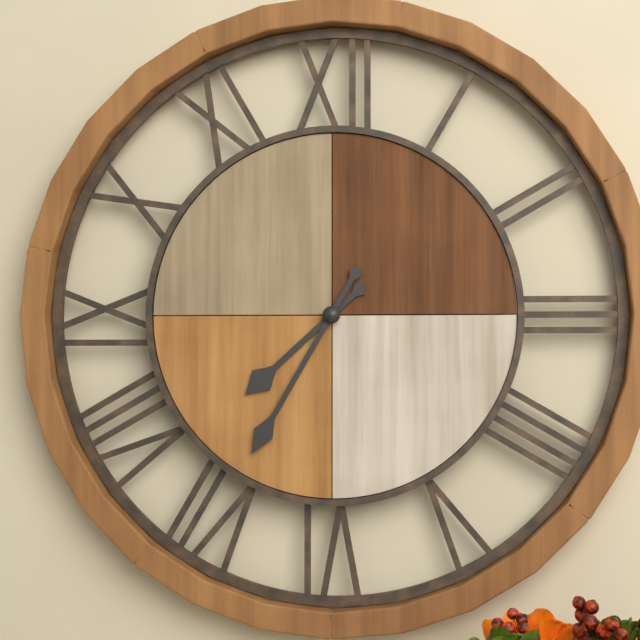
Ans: 7:35
